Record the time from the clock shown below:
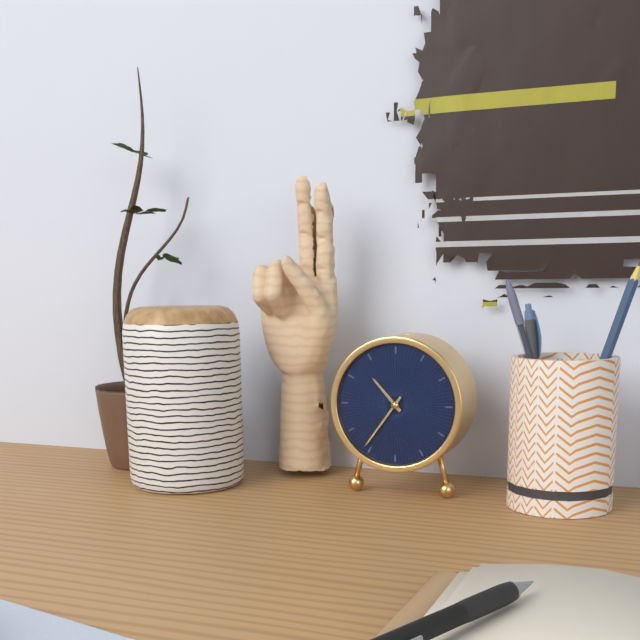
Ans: 10:36
